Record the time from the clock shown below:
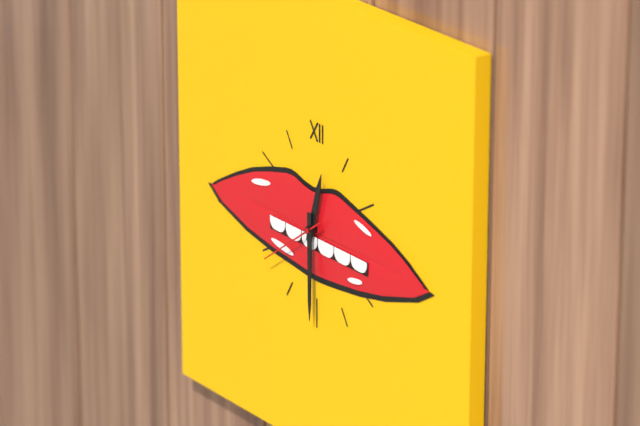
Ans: 12:30:39
